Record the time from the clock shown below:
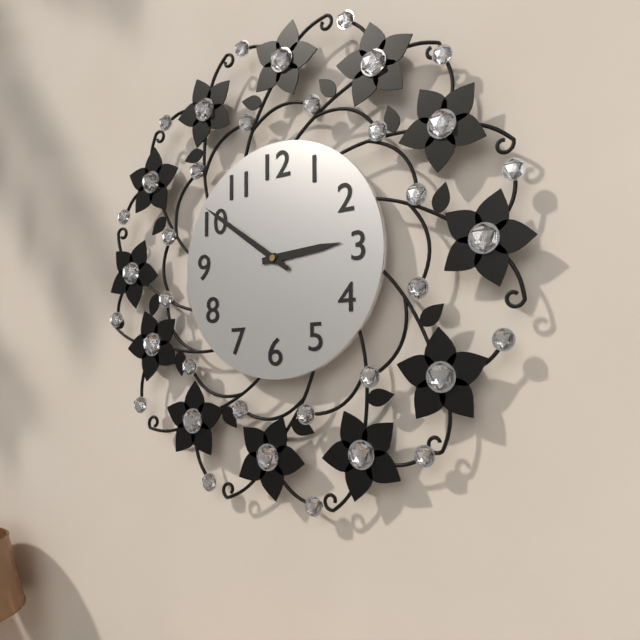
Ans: 2:51
